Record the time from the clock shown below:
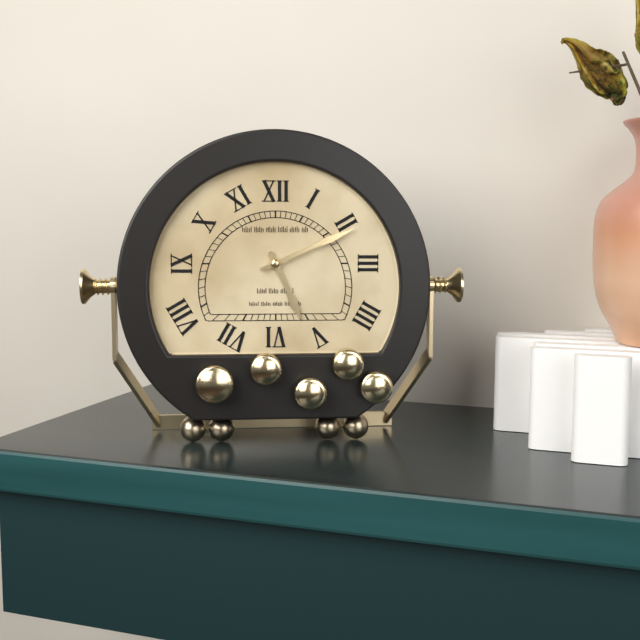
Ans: 5:11
